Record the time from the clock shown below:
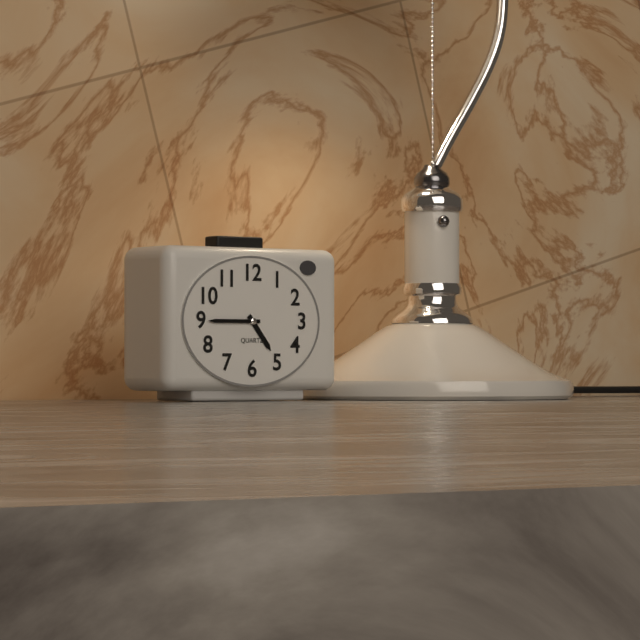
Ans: 4:45
